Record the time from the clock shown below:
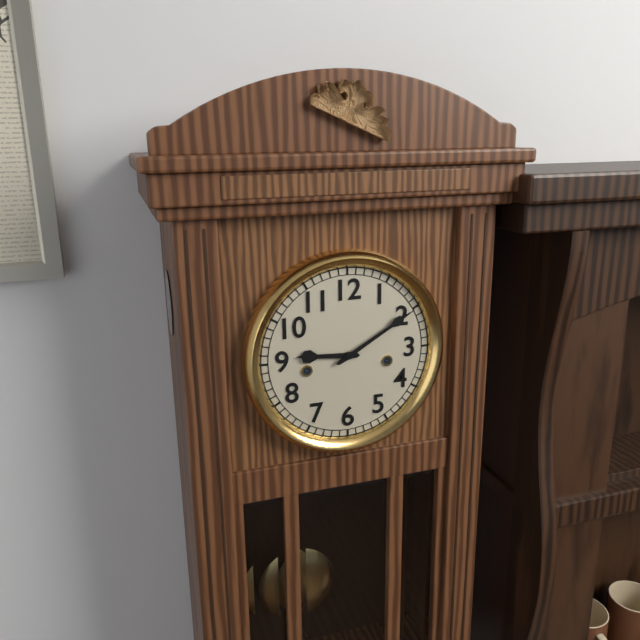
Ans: 9:10
